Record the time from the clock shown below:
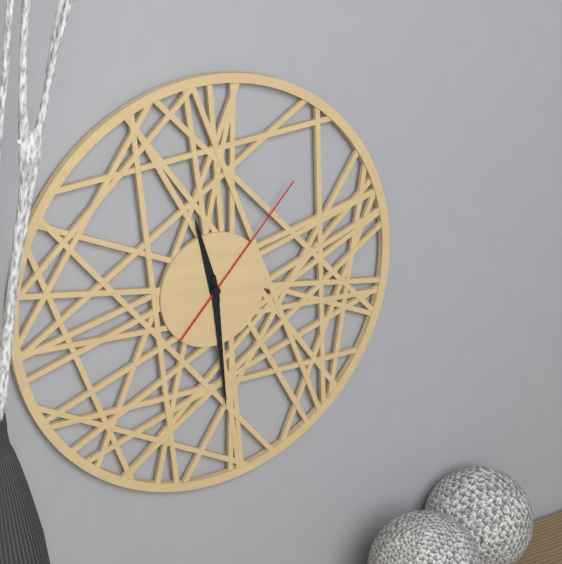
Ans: 11:29:07
